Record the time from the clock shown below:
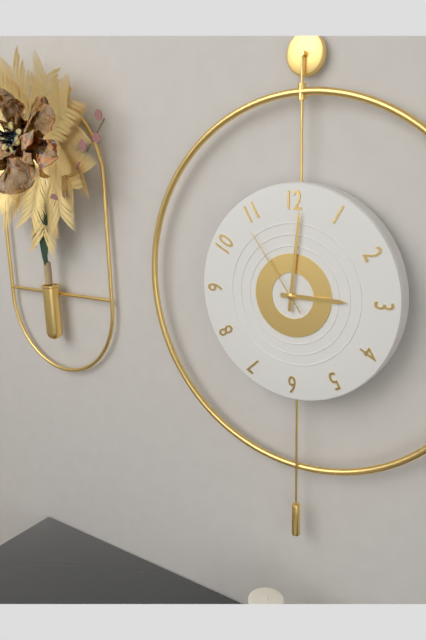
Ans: 3:01:54
